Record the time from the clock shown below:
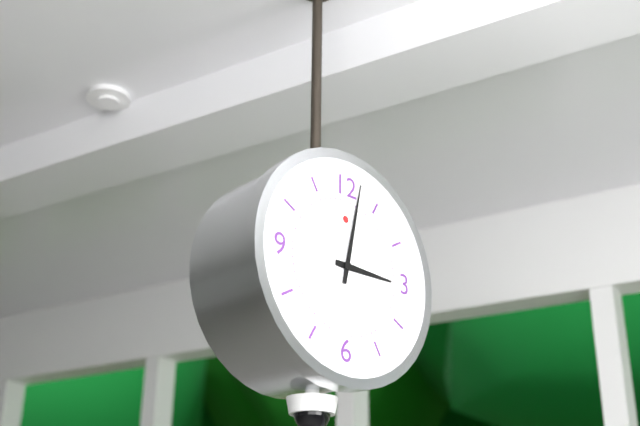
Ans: 3:02
